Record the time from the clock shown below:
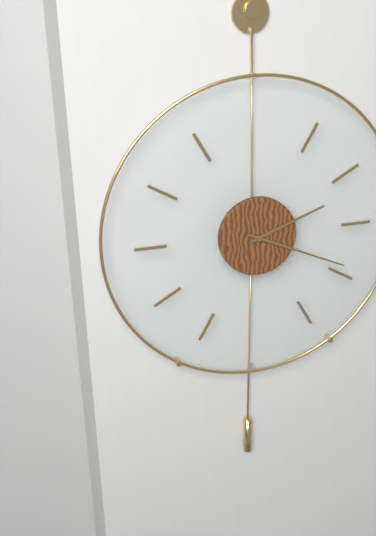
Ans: 2:19
